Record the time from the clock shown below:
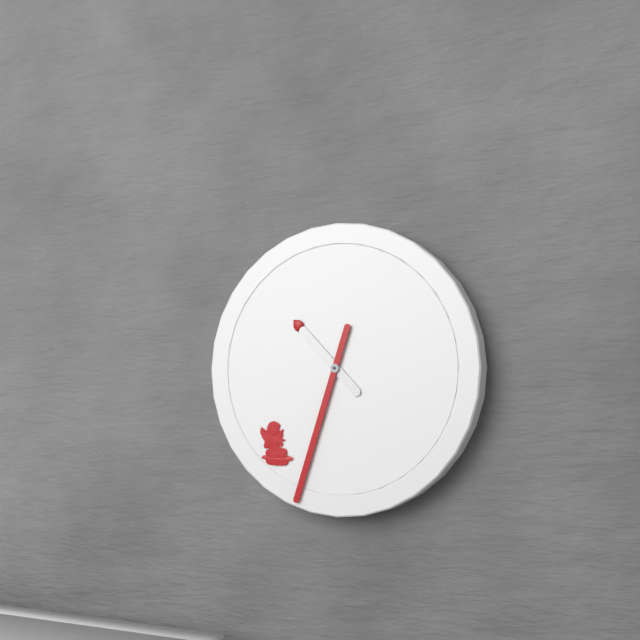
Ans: 10:33
